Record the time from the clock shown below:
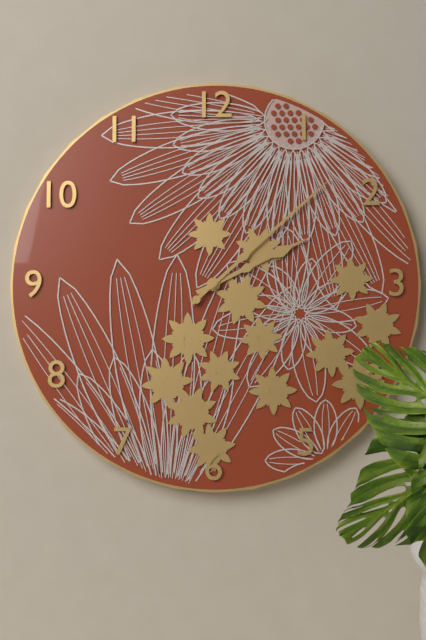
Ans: 2:08
